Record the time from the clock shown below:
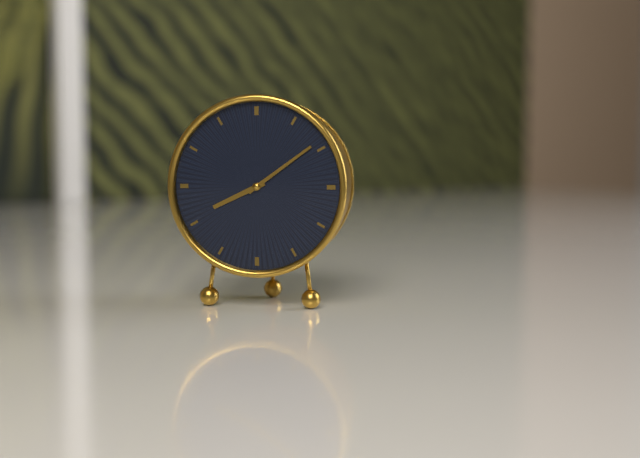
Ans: 8:09
